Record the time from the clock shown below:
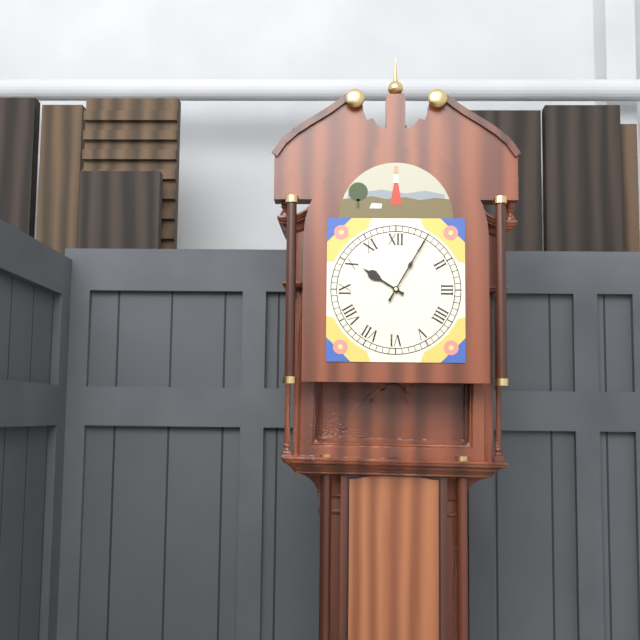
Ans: 10:05
